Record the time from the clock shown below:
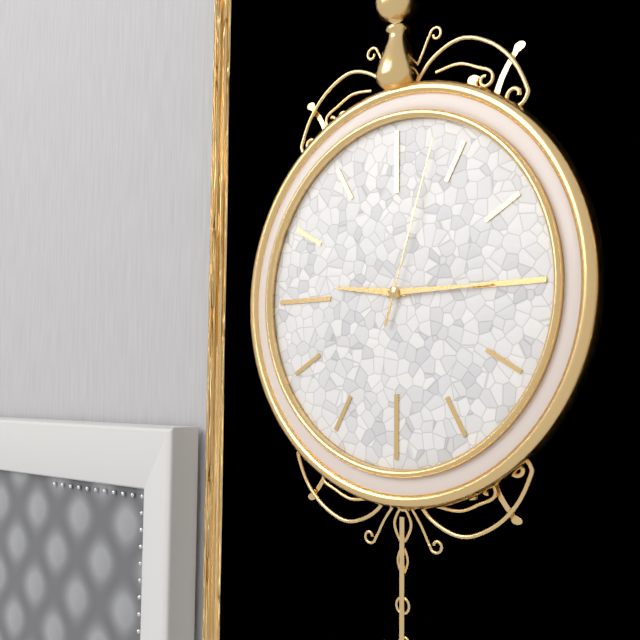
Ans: 9:15:03
